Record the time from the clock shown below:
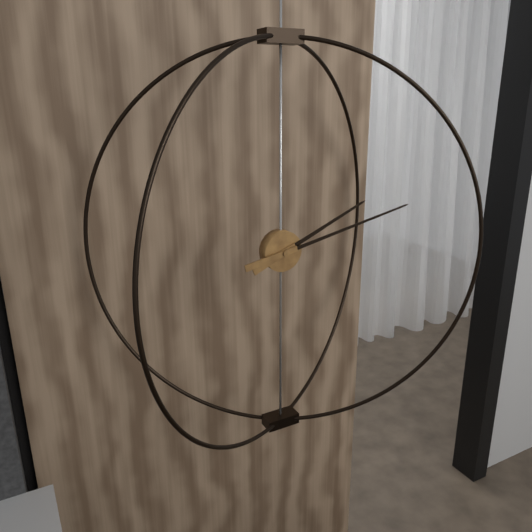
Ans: 2:13
